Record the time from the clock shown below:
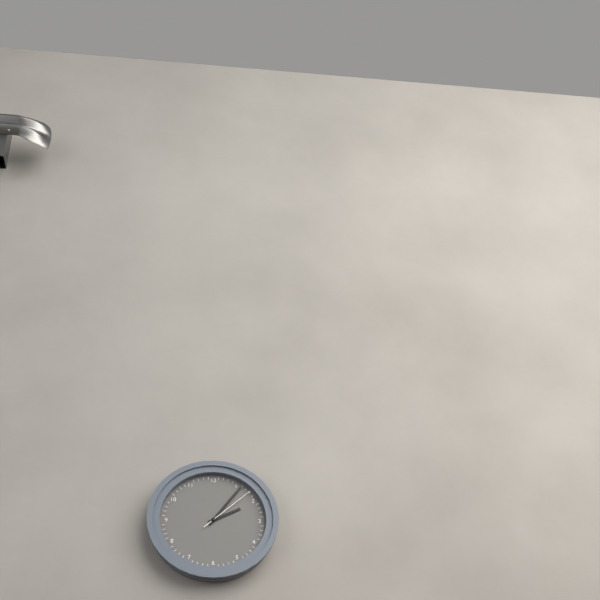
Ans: 2:06:08
